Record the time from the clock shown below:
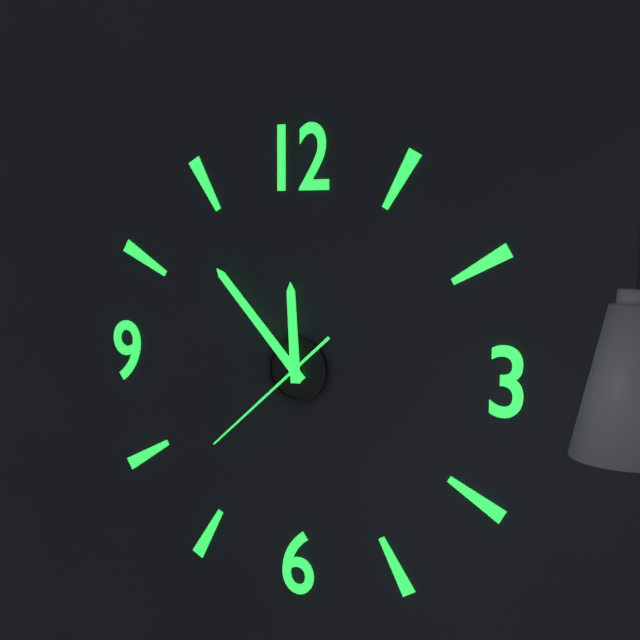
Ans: 11:53:38
